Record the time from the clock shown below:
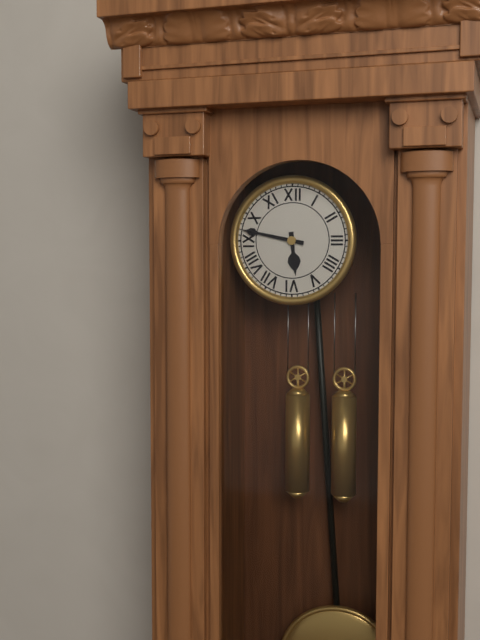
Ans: 5:47
